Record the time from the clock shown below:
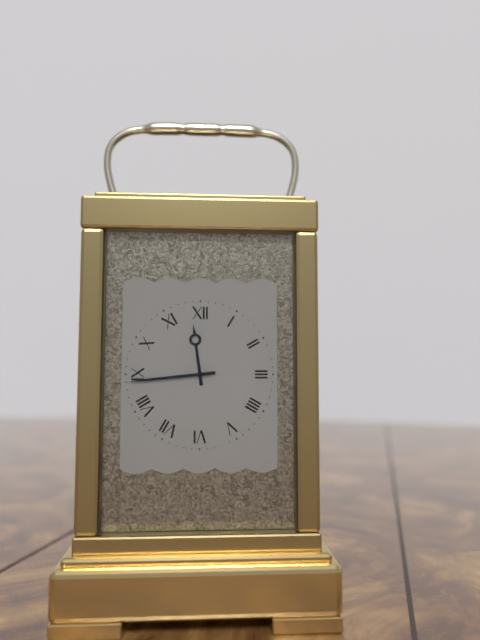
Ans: 11:44
